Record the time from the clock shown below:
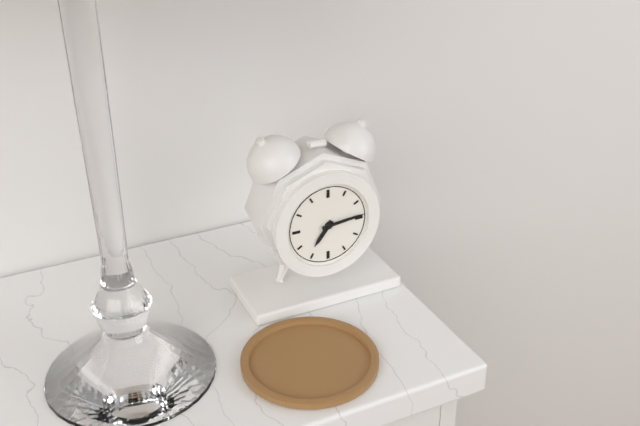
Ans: 7:14
